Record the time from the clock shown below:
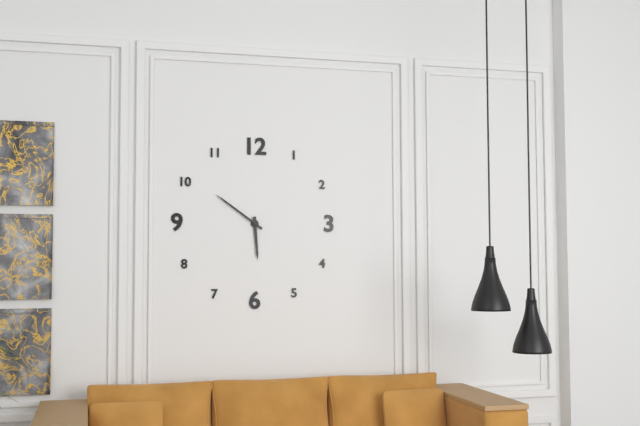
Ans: 5:51
